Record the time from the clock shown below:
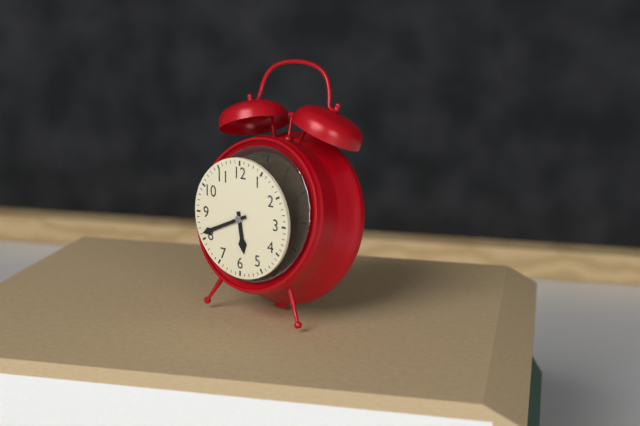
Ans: 5:41
